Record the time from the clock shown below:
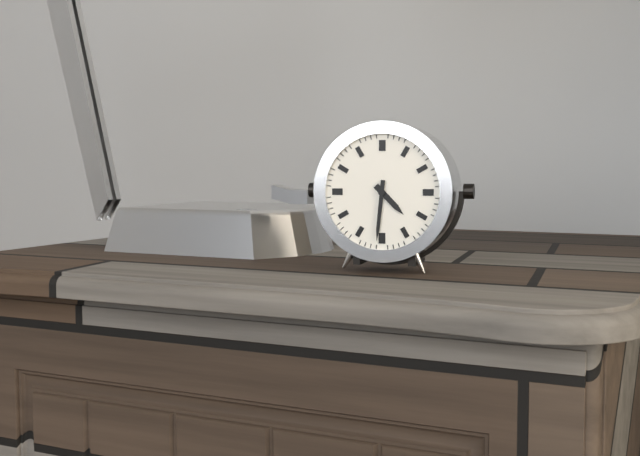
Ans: 4:31
